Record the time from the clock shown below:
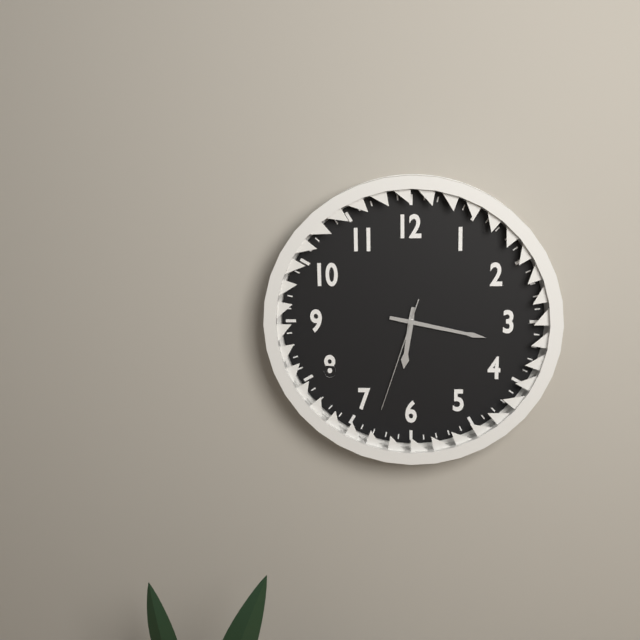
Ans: 6:17:33
